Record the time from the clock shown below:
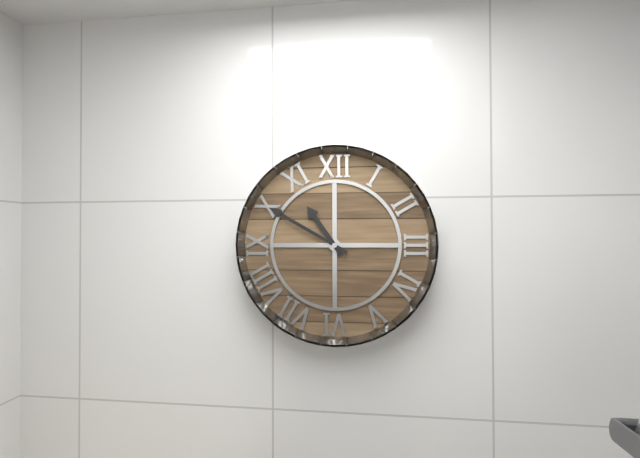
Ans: 10:50
